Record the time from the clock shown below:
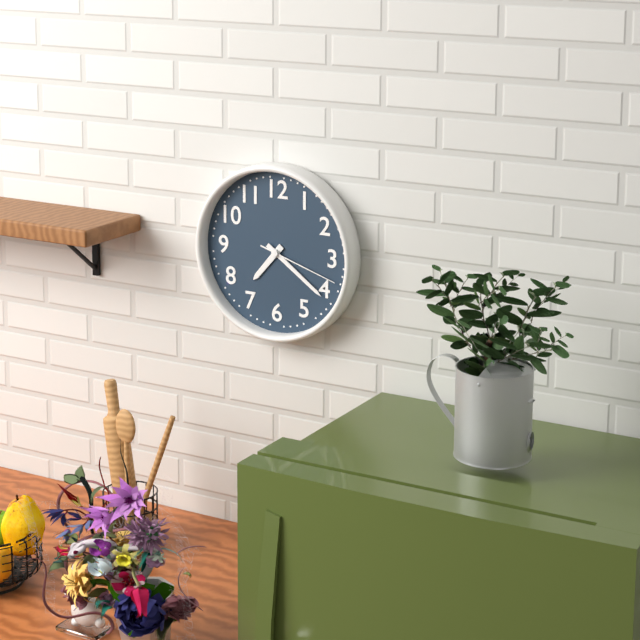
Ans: 7:21:18
